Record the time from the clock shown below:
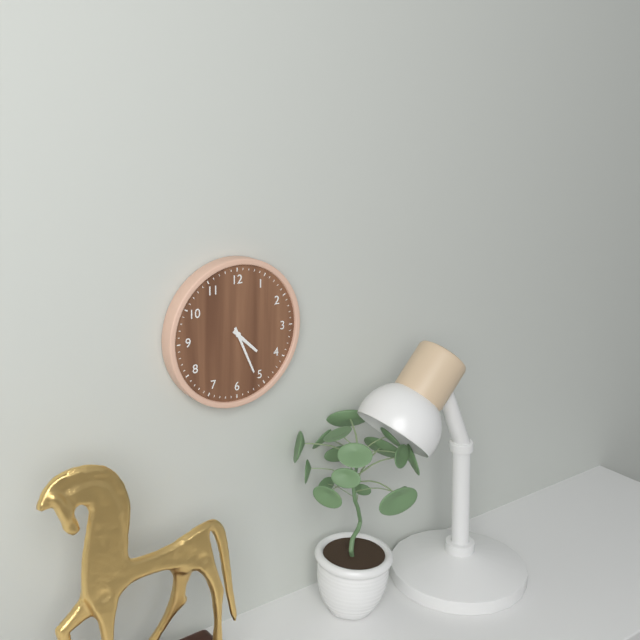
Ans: 4:26
